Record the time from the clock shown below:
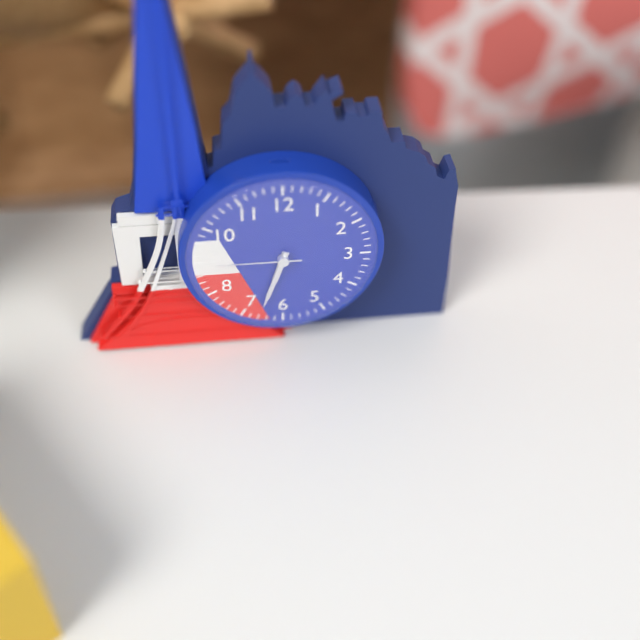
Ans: 6:33:45
